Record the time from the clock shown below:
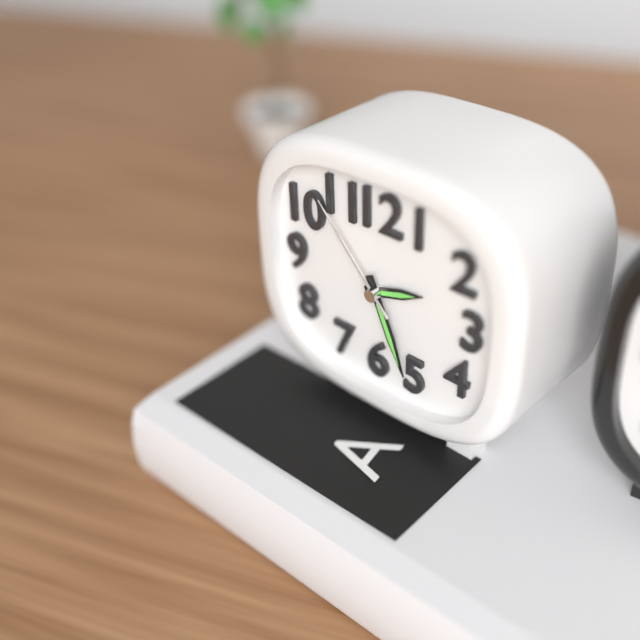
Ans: 2:26:53
